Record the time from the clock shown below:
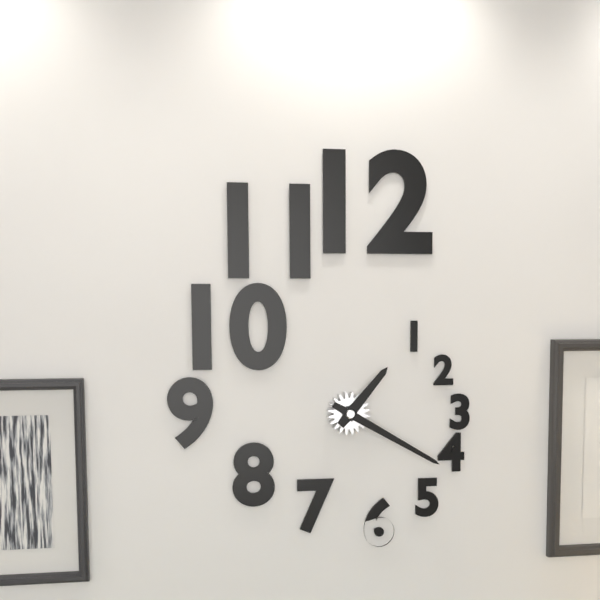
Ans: 1:20
